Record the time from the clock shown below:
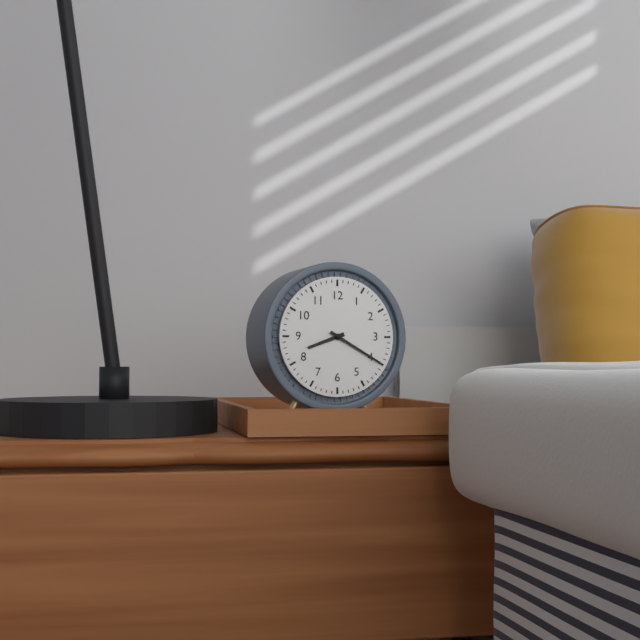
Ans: 8:20
